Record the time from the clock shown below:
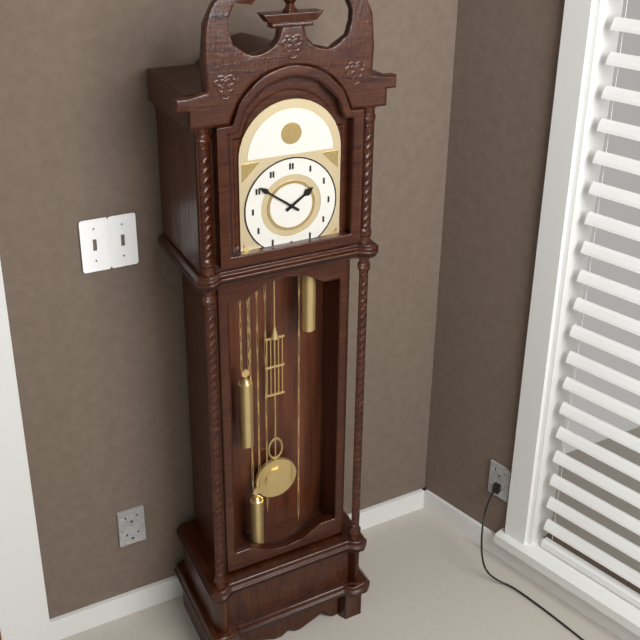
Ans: 1:51
